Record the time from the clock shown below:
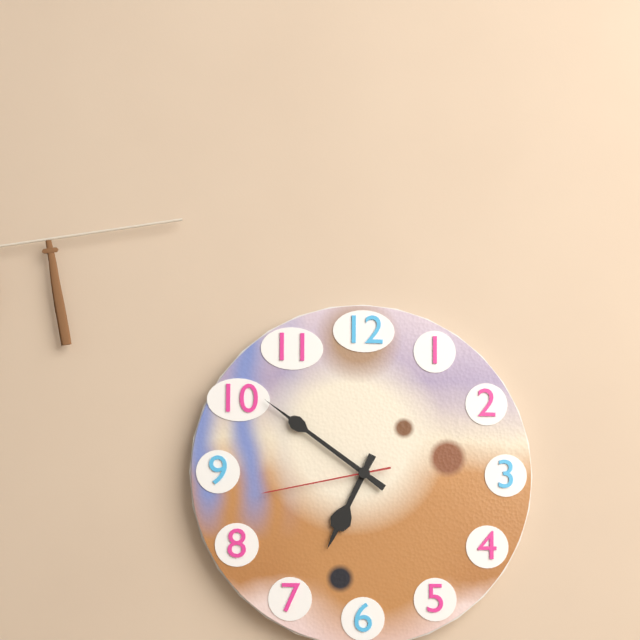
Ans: 6:51:43
